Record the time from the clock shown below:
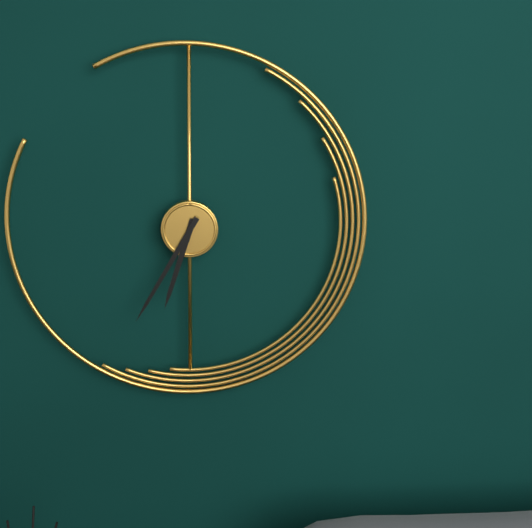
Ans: 6:35
